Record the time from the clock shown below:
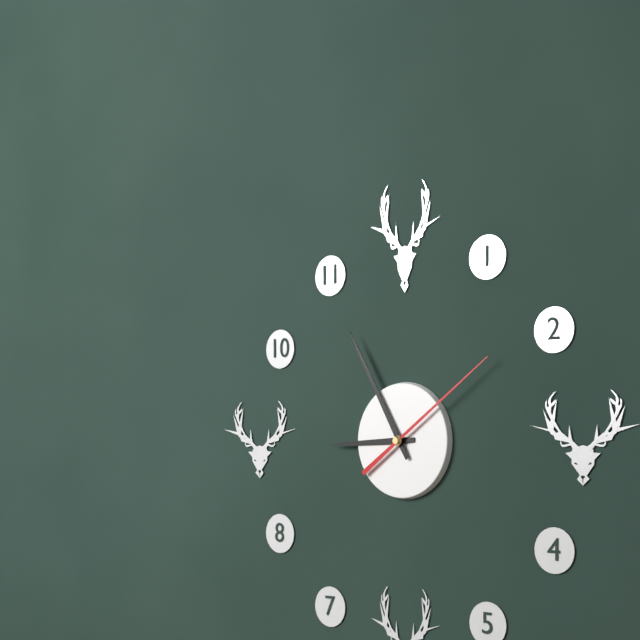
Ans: 8:55:09
